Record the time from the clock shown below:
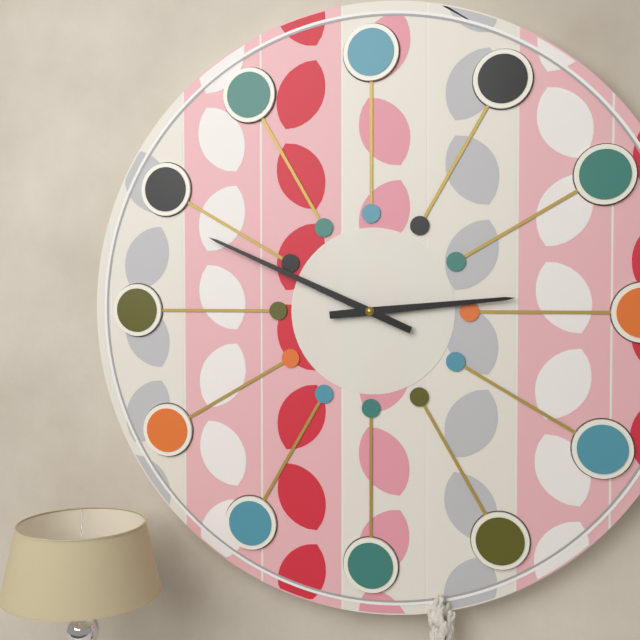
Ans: 2:49
